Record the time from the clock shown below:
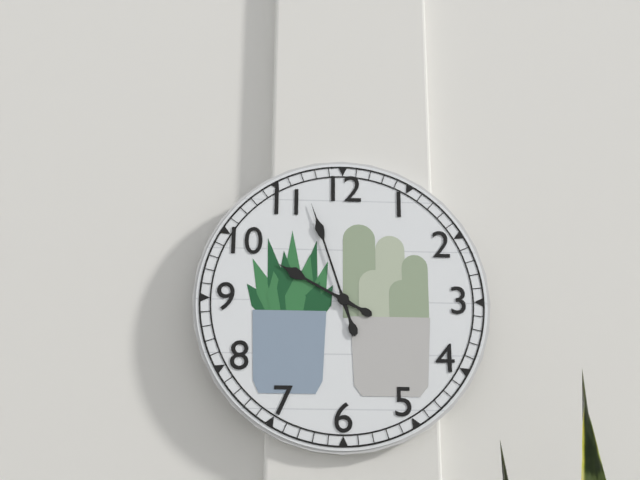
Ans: 9:57
